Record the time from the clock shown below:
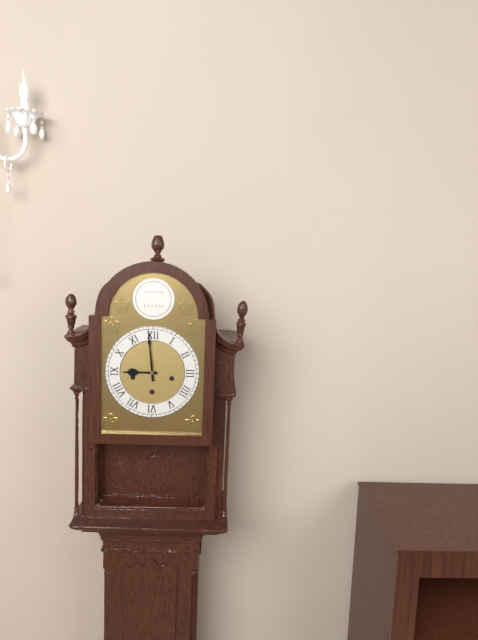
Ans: 8:59
